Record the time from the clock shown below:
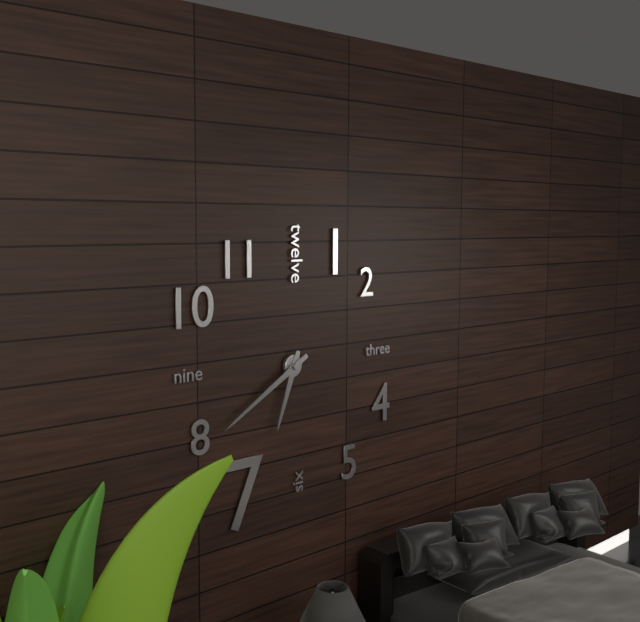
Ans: 6:40
